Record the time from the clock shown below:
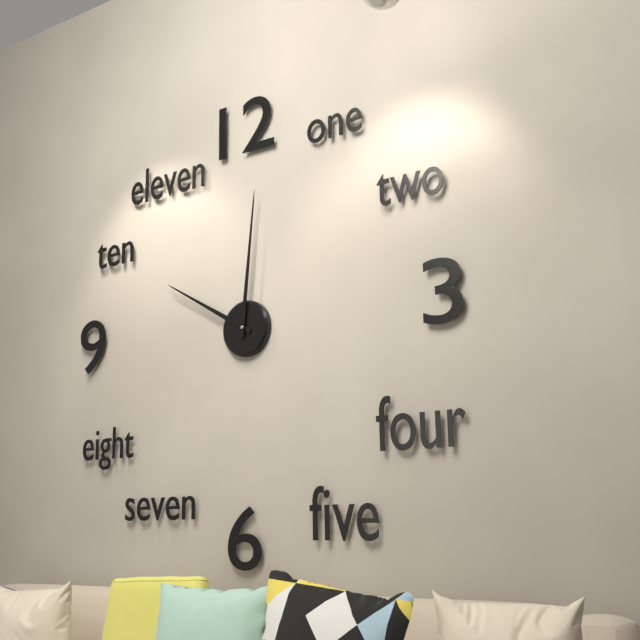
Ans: 10:01
